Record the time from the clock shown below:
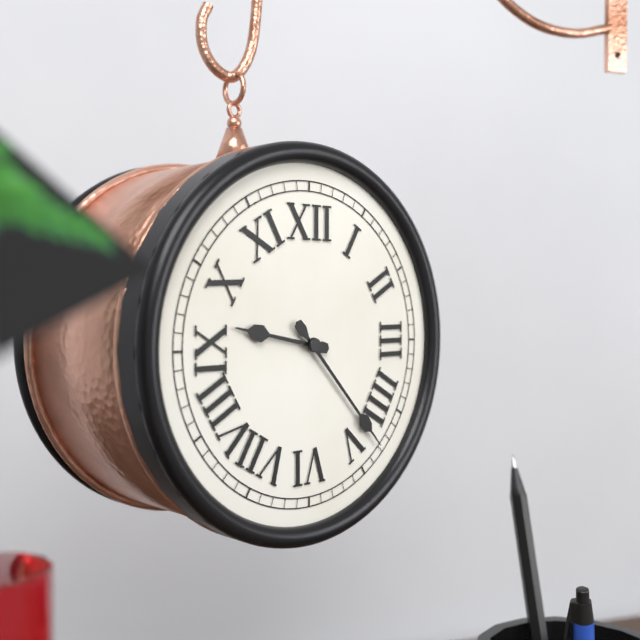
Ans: 9:23
